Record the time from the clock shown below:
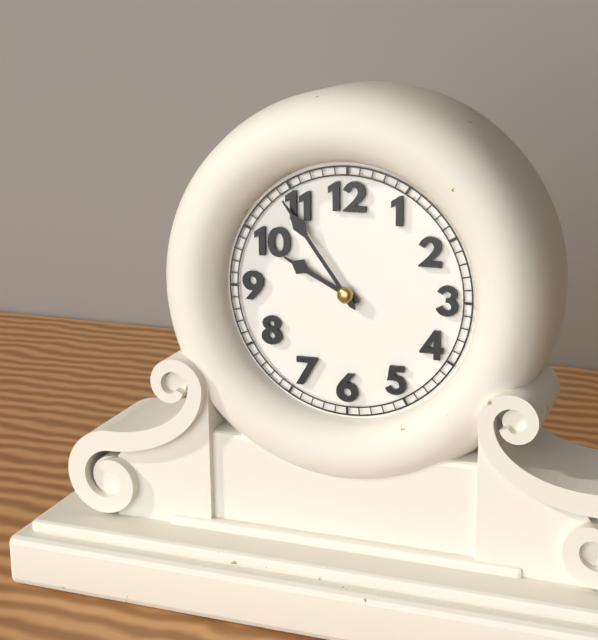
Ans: 9:54
